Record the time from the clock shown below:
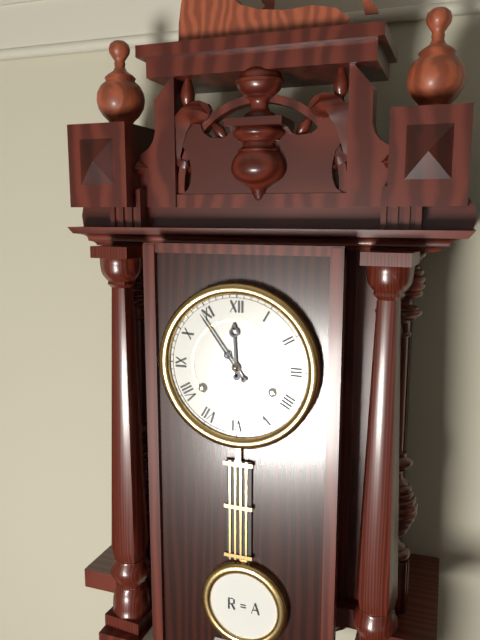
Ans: 11:54
